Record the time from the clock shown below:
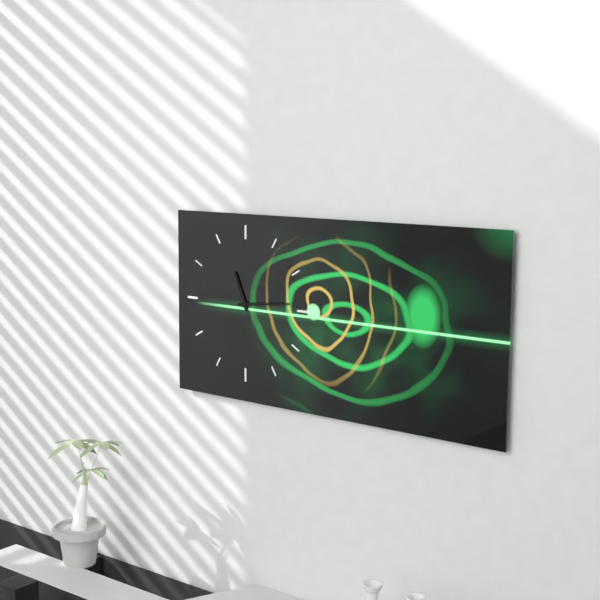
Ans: 11:14
